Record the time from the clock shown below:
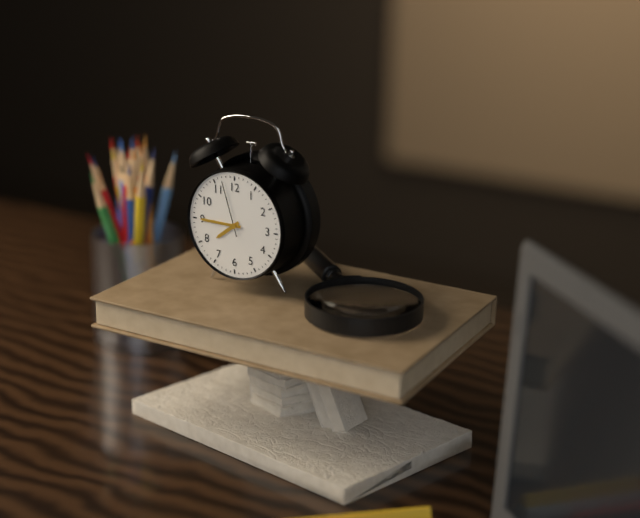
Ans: 7:45:57
